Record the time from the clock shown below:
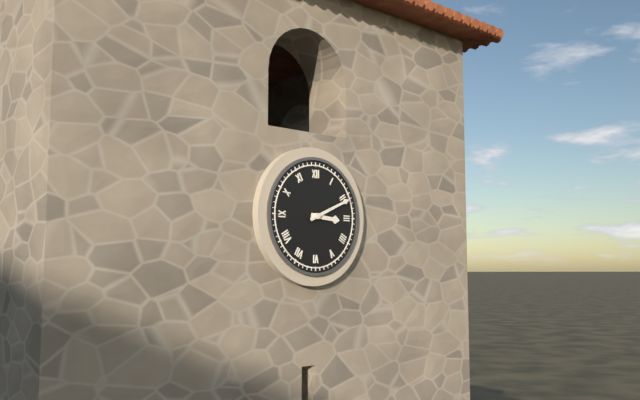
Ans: 3:11
